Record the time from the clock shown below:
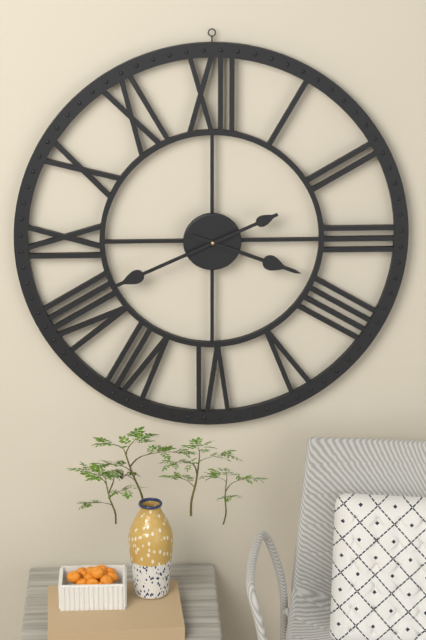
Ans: 3:41
